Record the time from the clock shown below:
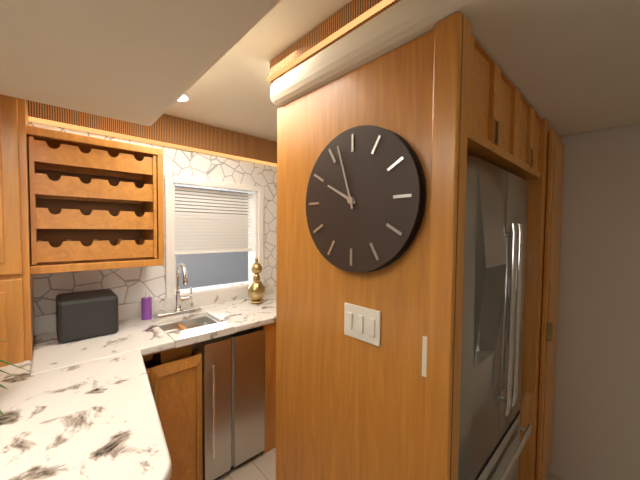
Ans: 9:57
